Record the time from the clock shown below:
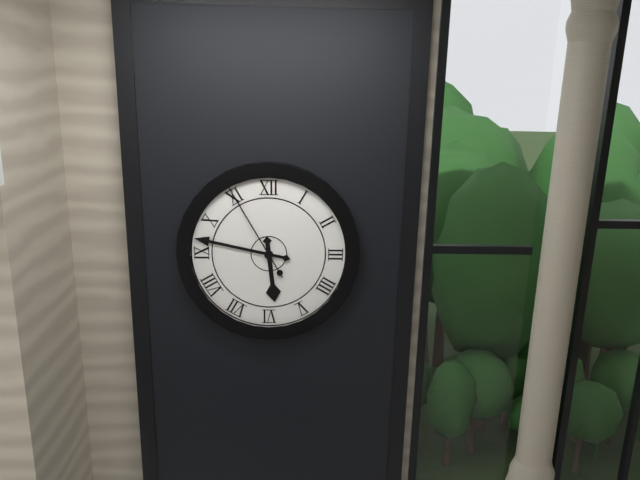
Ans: 5:47:55
